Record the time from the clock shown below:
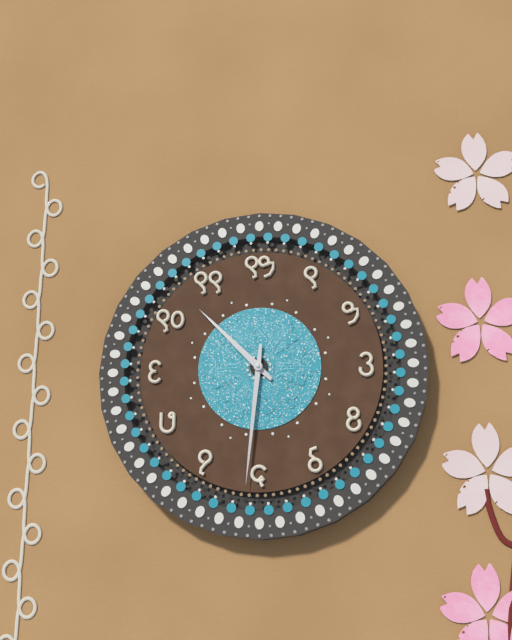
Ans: 10:31
